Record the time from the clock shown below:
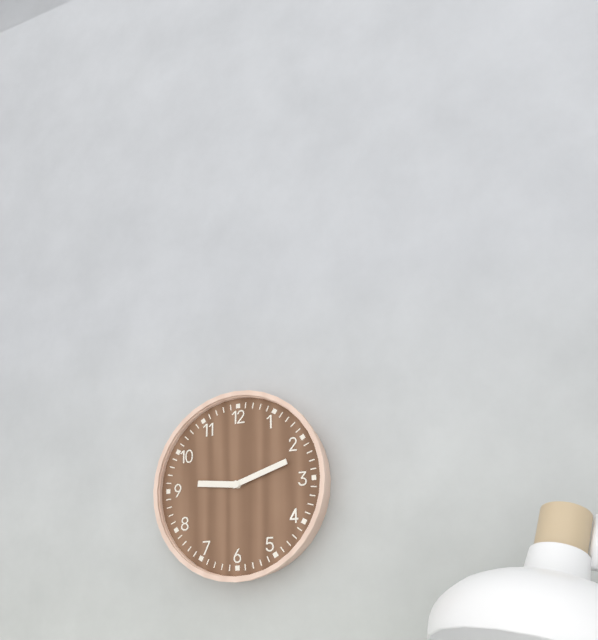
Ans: 9:12
